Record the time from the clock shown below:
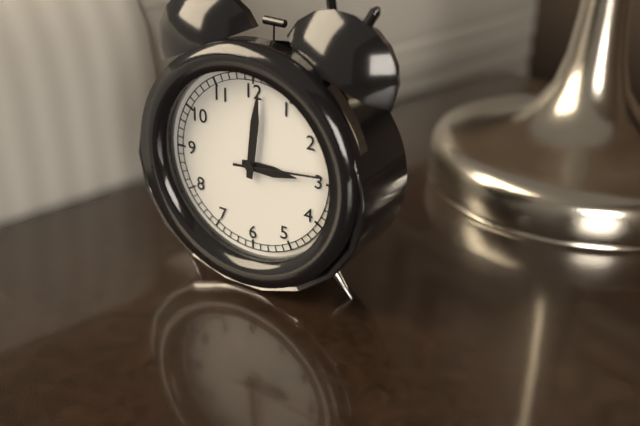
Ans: 3:01:14
